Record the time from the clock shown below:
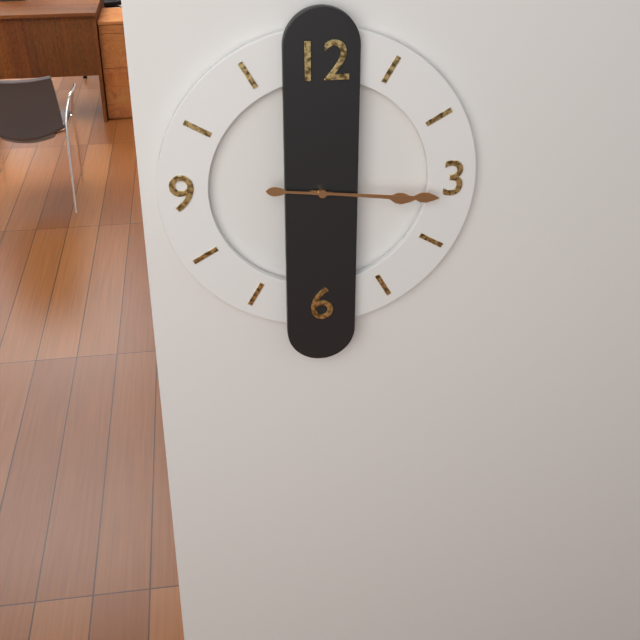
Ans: 3:16
